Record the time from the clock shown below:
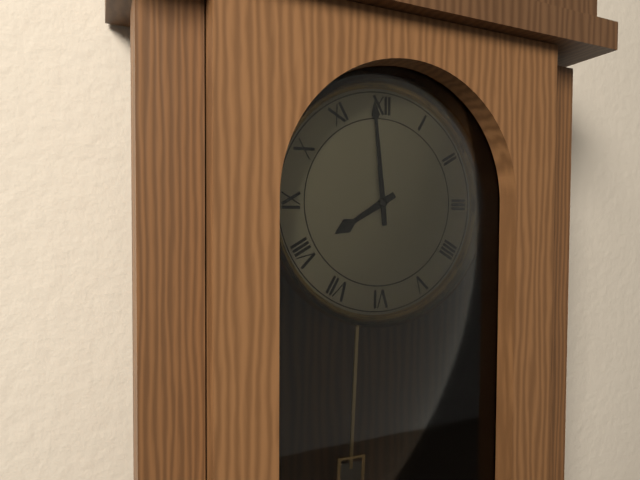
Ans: 7:59
